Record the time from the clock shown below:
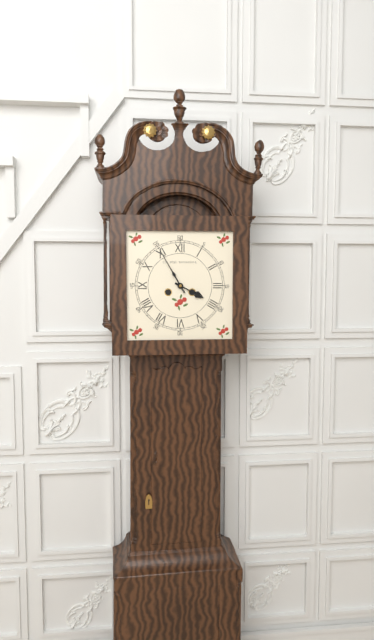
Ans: 3:55
